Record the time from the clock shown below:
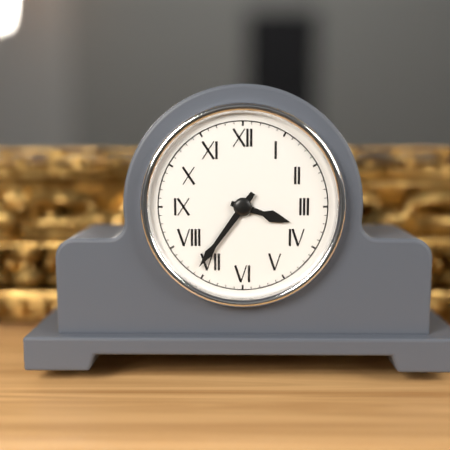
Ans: 3:36
